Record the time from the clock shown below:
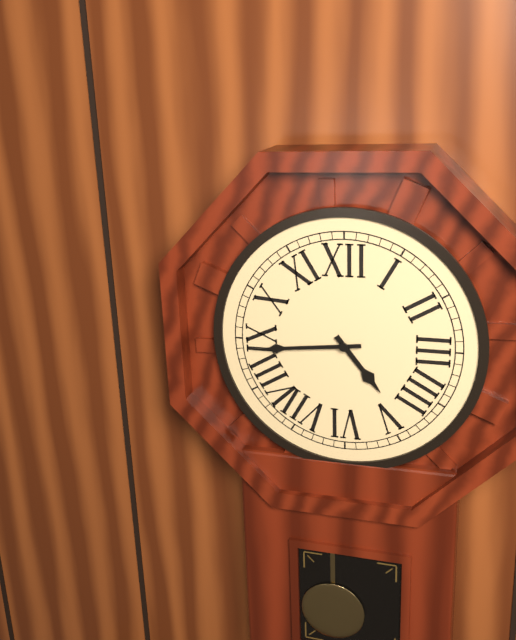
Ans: 4:44
